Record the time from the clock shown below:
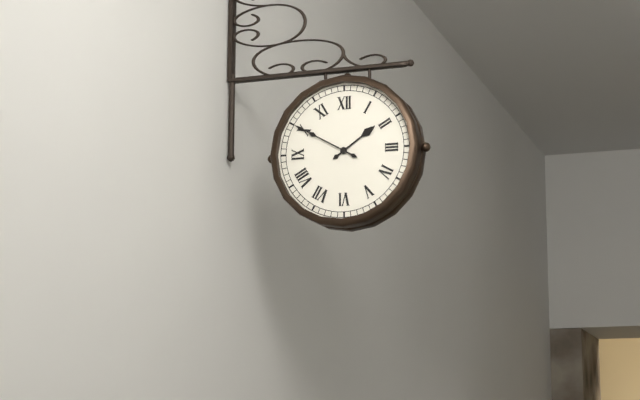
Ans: 1:50
